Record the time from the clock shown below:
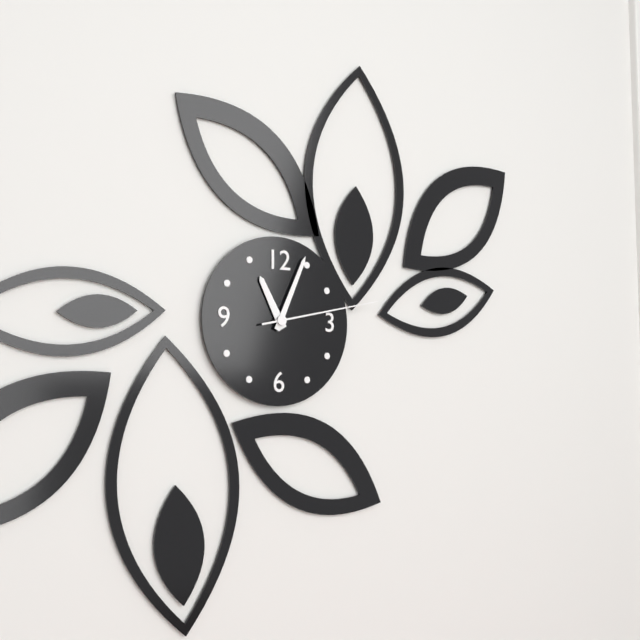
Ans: 11:04:13
